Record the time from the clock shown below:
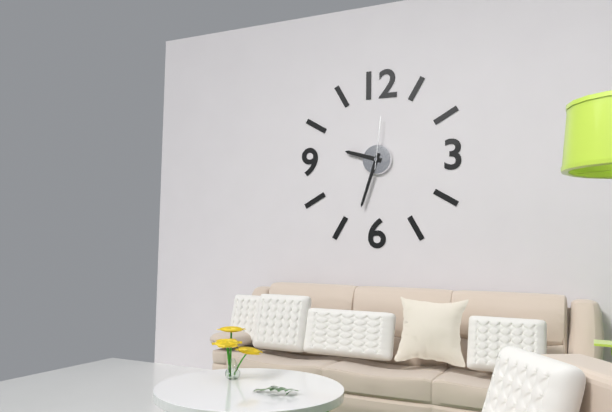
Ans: 9:33:01
